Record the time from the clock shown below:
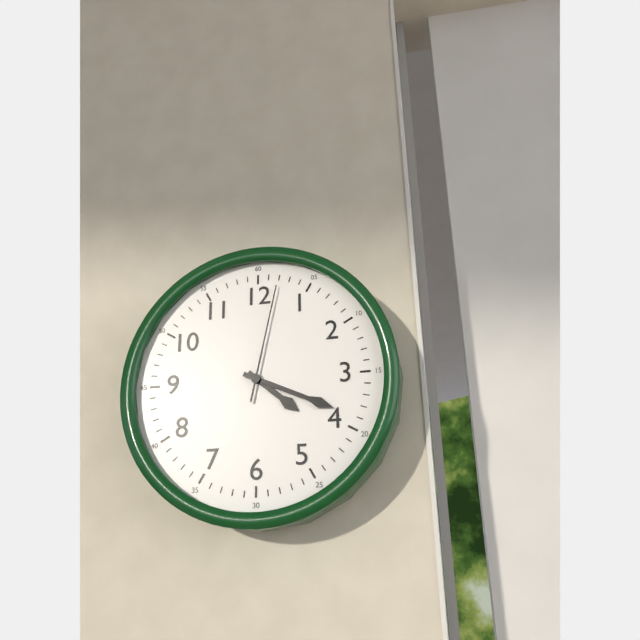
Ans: 4:19:02
